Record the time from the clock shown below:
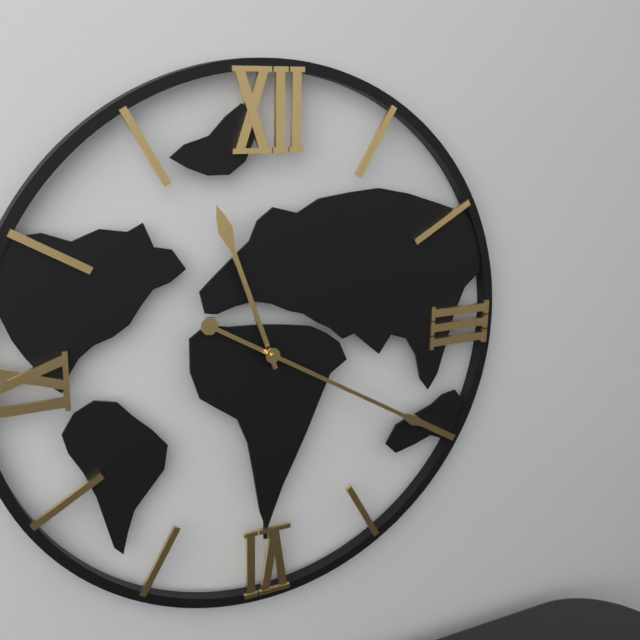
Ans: 11:20
